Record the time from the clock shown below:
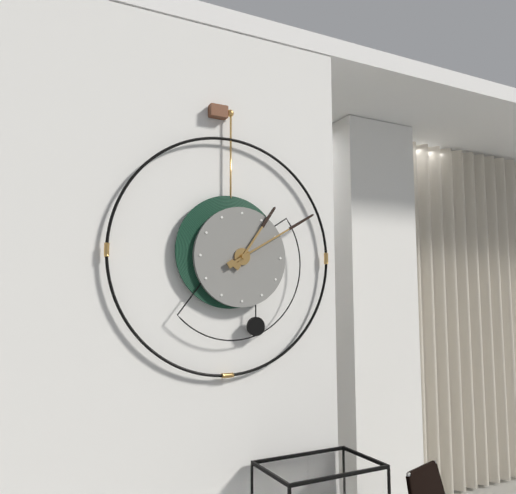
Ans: 1:10
